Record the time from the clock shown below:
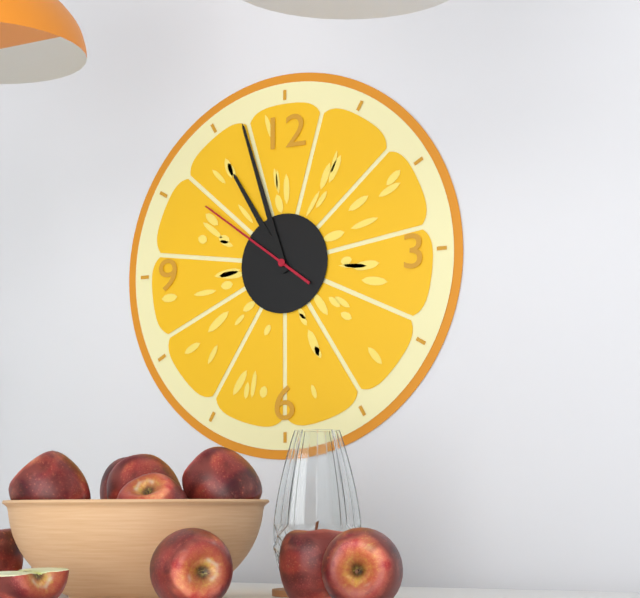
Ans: 10:57:51
